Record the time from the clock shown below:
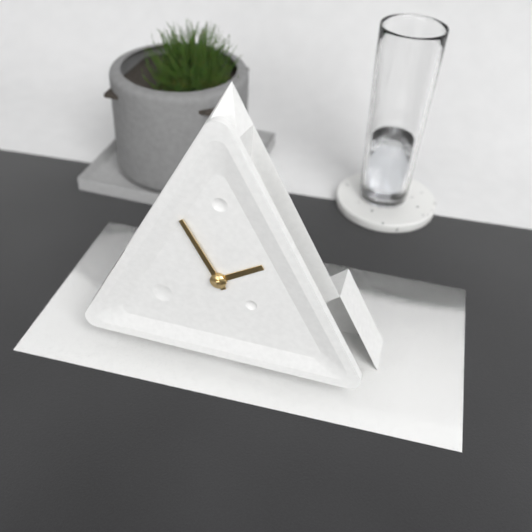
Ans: 1:55
